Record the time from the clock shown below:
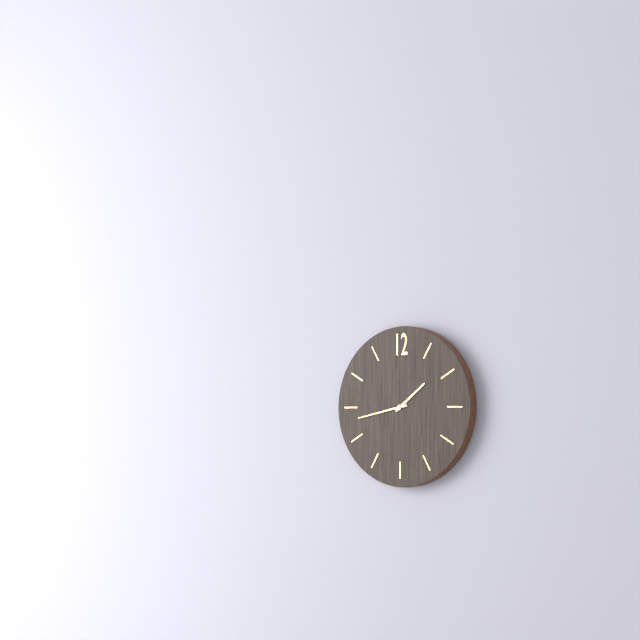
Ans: 1:43
